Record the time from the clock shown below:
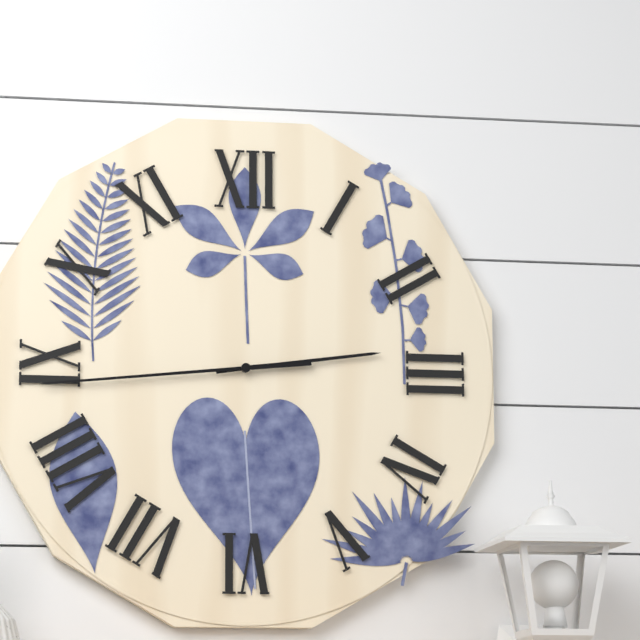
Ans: 2:44
